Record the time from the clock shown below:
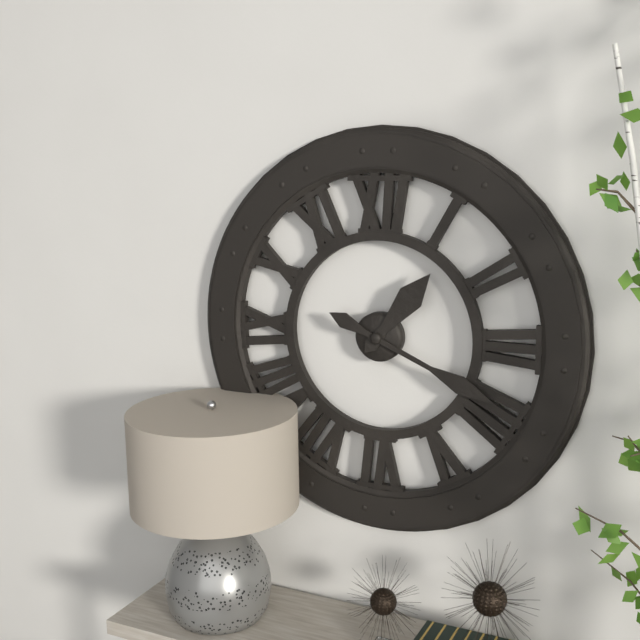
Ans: 1:19
